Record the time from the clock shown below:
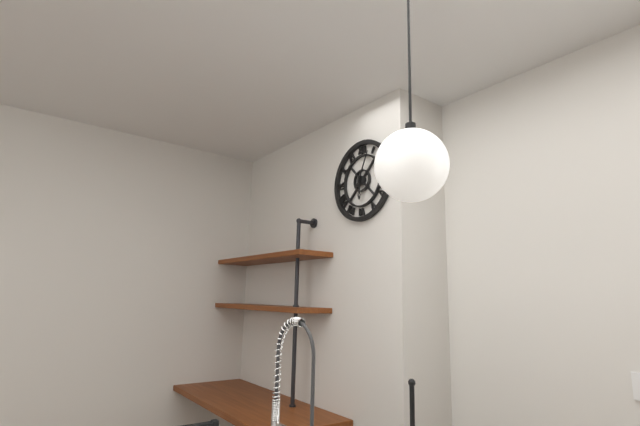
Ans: 6:04
